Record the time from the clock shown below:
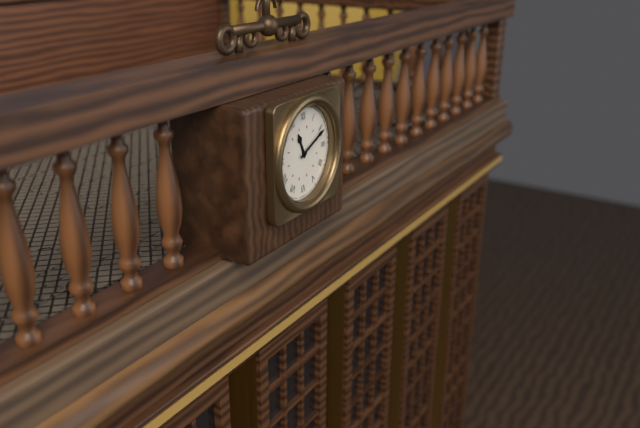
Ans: 11:11
